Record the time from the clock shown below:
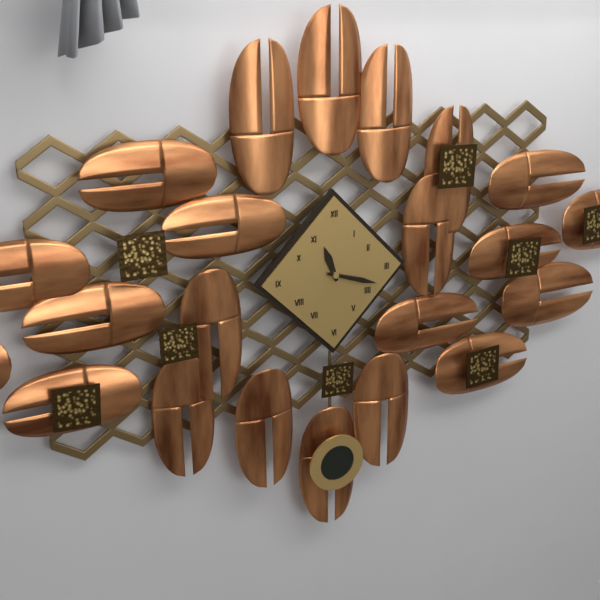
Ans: 11:18
